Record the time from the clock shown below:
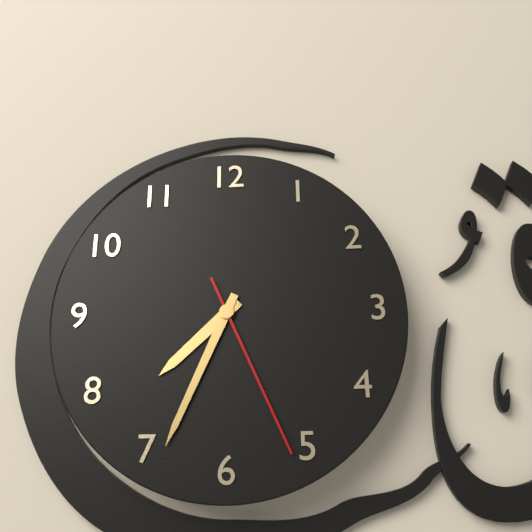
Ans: 7:34:26
